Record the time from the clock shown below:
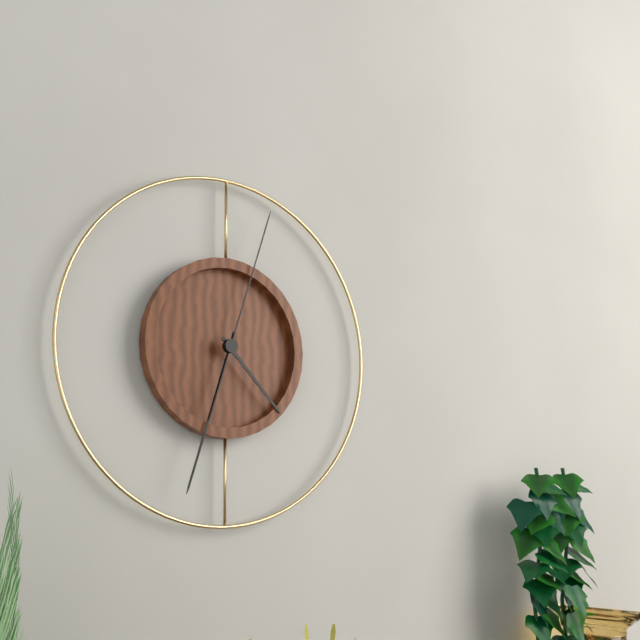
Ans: 4:33:03
